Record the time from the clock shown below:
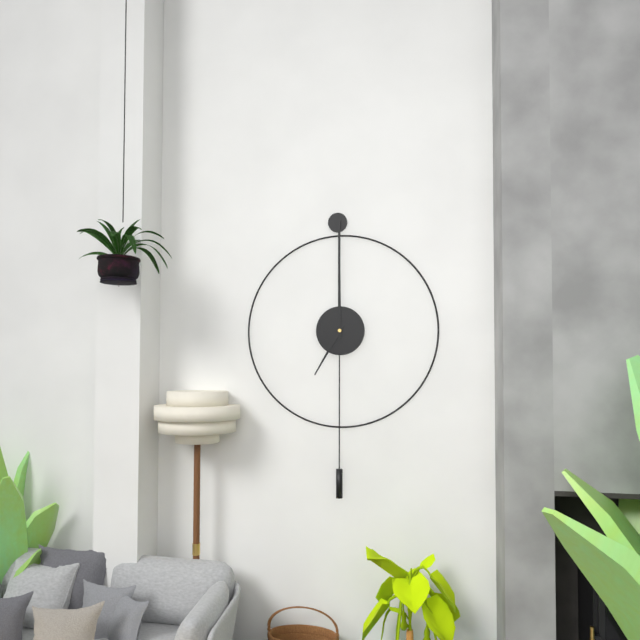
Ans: 7:00
